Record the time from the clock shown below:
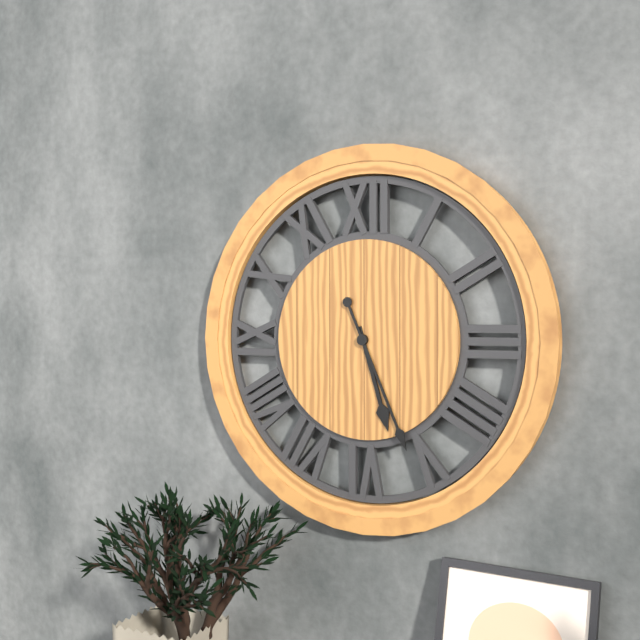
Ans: 5:26
